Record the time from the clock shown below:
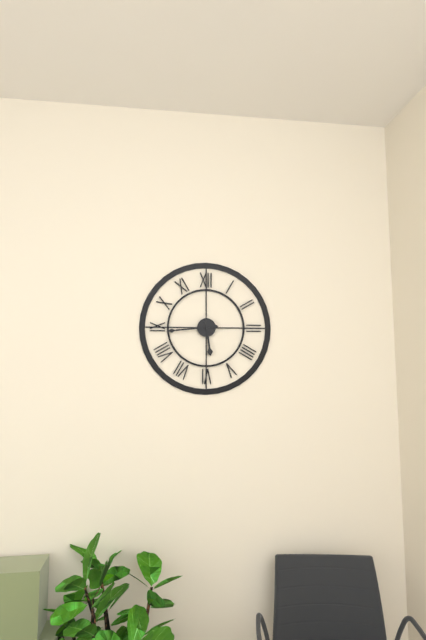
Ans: 5:44
